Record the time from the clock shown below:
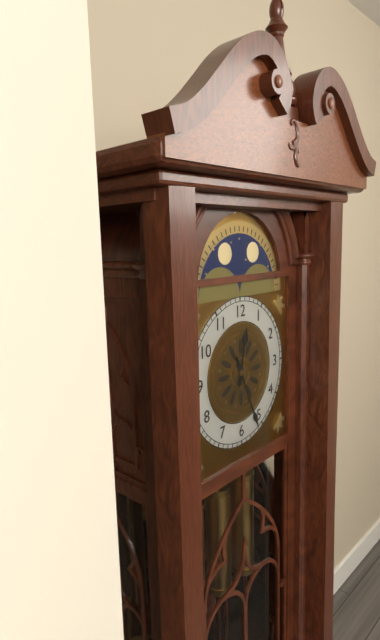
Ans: 12:26
